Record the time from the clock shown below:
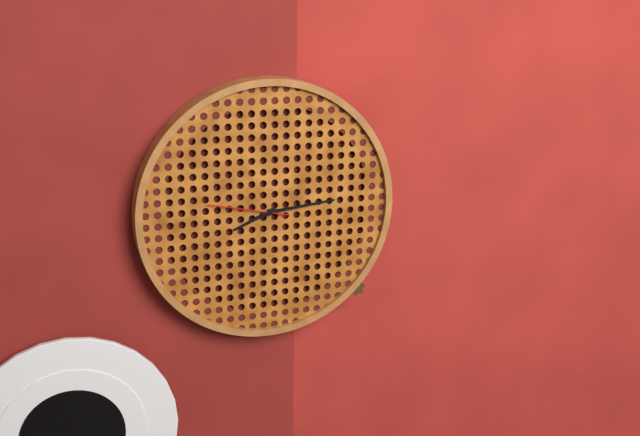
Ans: 8:14:47
